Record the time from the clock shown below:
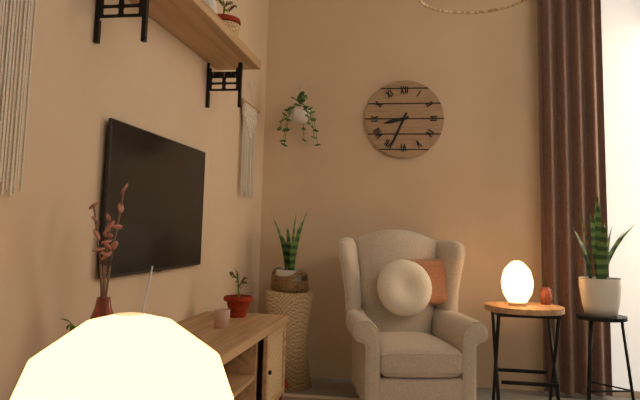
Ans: 8:34
